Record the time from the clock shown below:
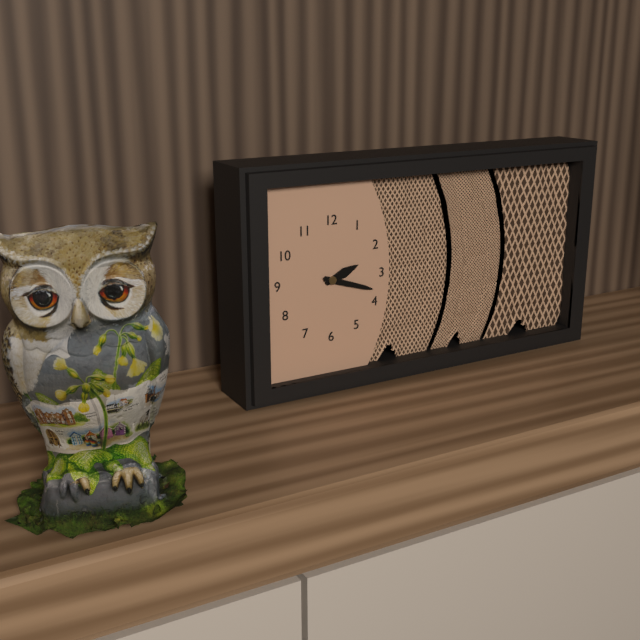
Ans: 2:18
